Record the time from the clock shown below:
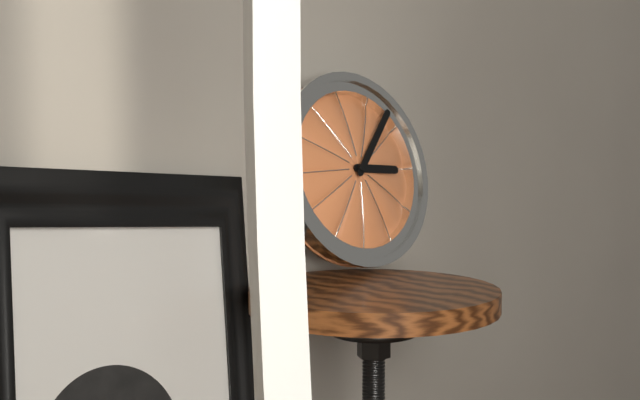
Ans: 3:07
